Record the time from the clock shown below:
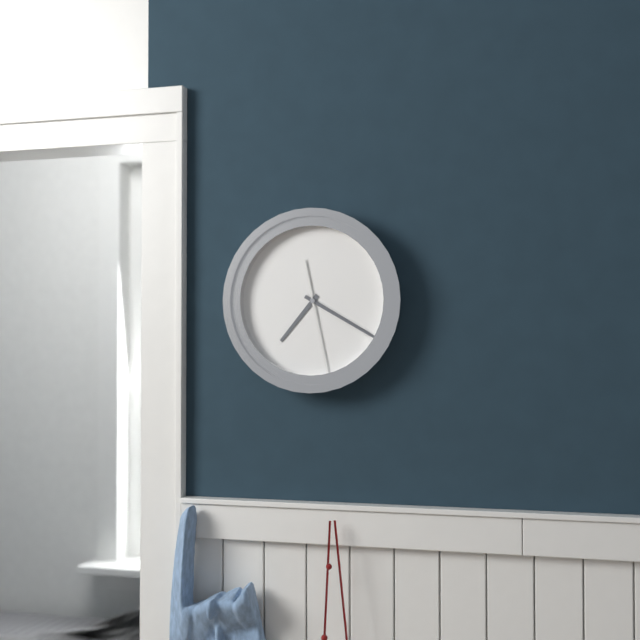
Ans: 7:20:28
